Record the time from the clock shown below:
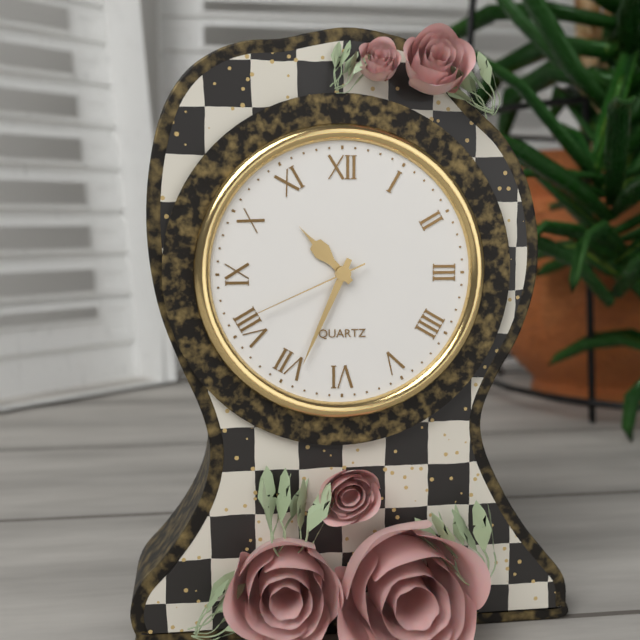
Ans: 10:34:41
